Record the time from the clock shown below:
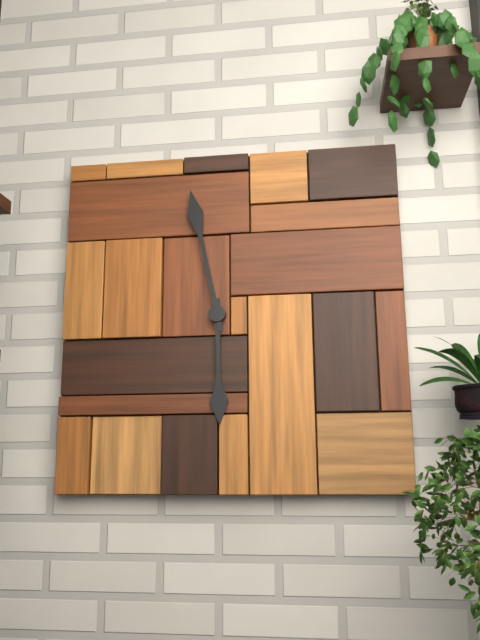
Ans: 5:58
